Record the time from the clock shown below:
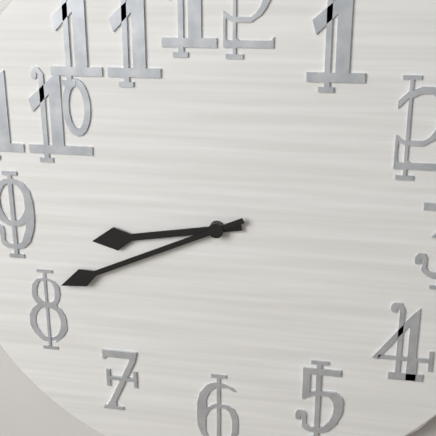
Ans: 8:41
